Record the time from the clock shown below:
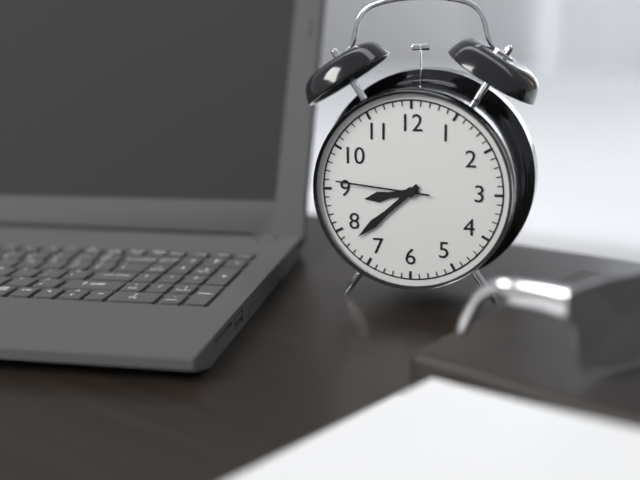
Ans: 8:38:46
